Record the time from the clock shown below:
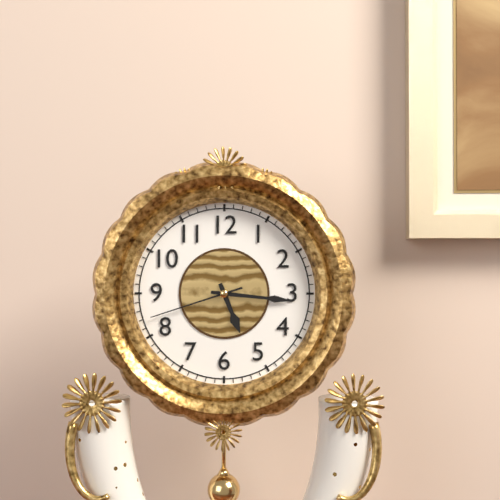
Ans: 5:16:42
